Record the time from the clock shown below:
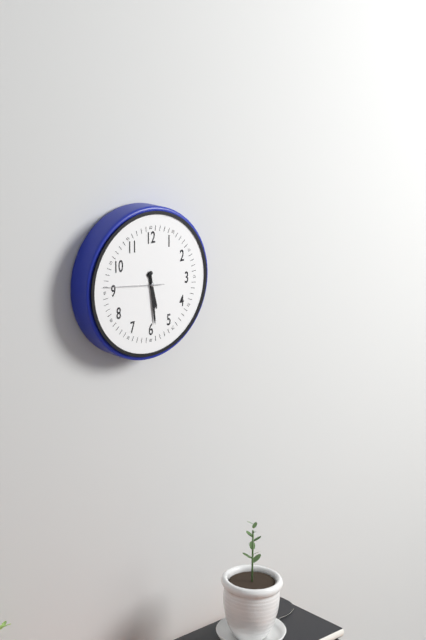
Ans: 5:29:46
